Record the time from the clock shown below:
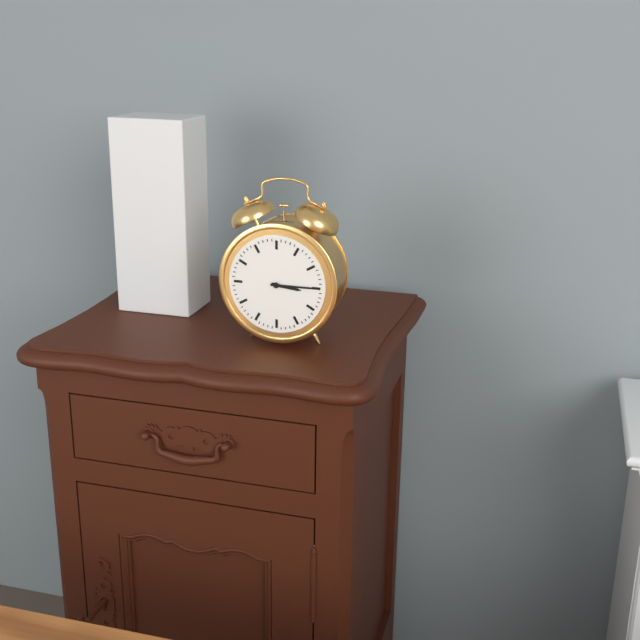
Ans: 3:15
